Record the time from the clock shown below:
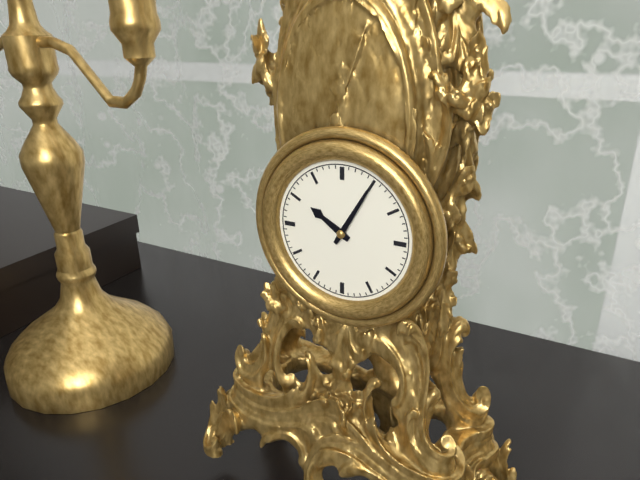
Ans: 10:05
